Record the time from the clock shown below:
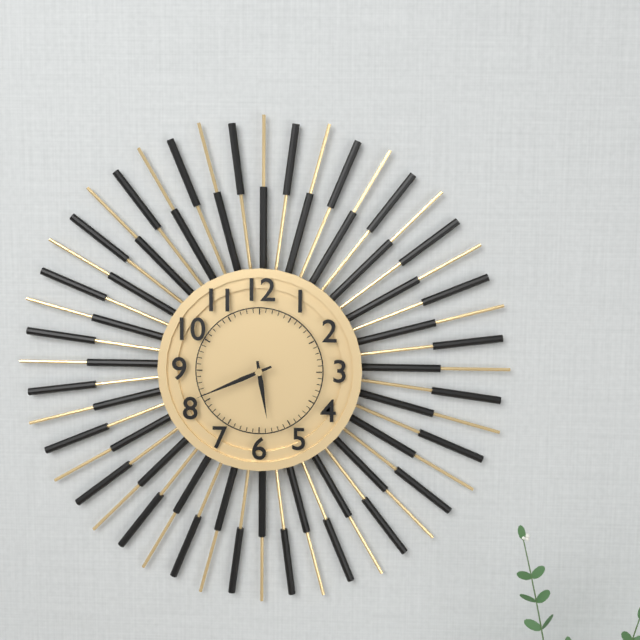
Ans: 5:41
